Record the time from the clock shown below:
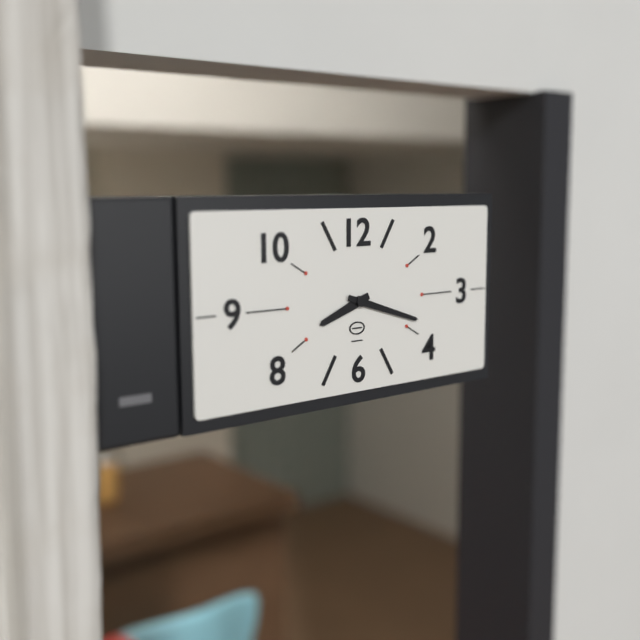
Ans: 8:18
